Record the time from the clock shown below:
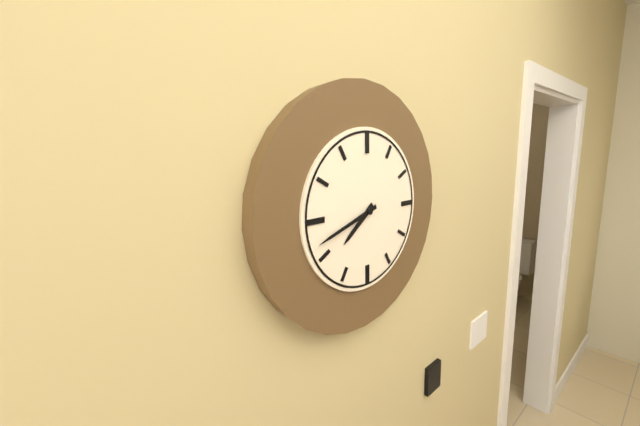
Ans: 7:42
